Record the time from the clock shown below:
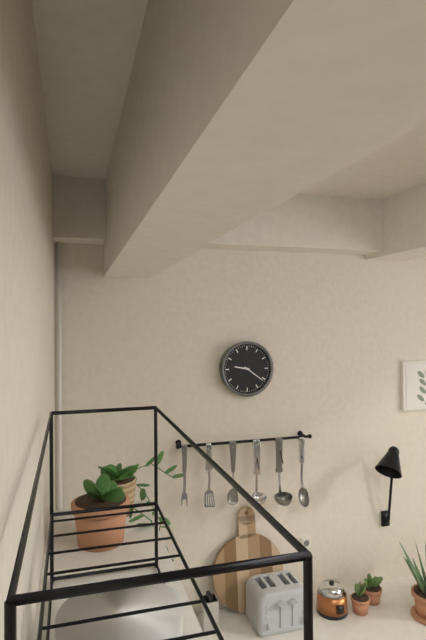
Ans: 9:21
